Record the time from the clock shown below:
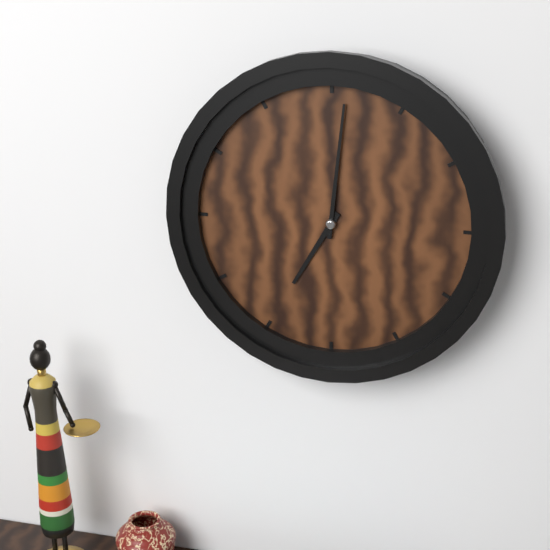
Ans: 7:01
